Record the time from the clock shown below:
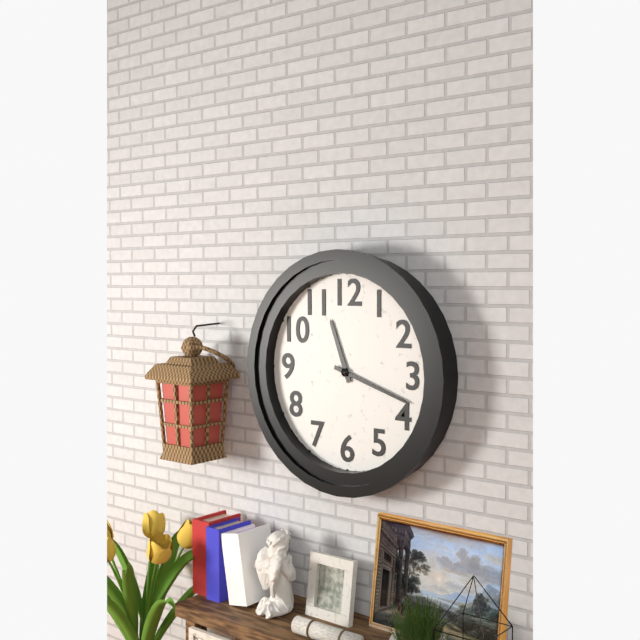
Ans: 11:18
